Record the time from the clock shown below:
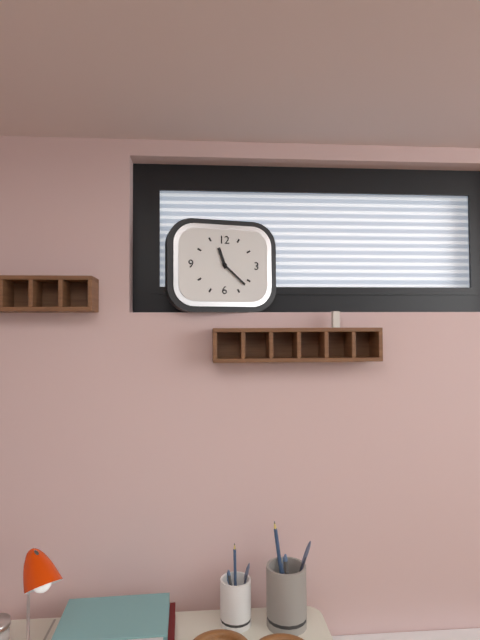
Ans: 11:22
